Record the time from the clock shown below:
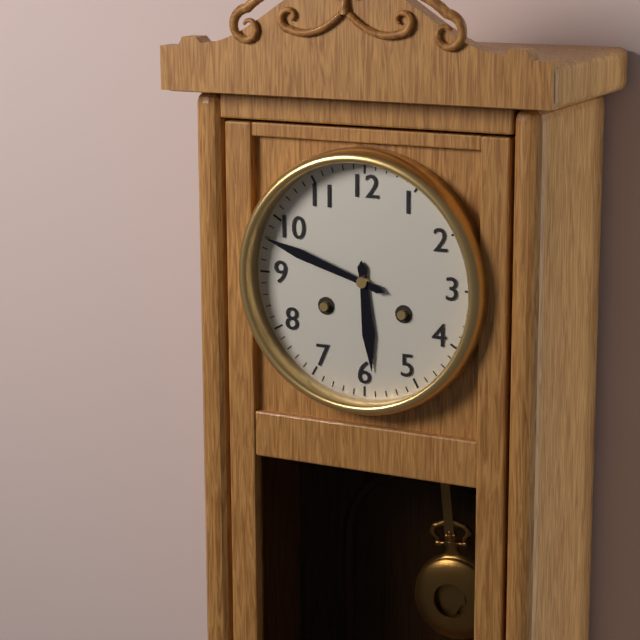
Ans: 5:48
